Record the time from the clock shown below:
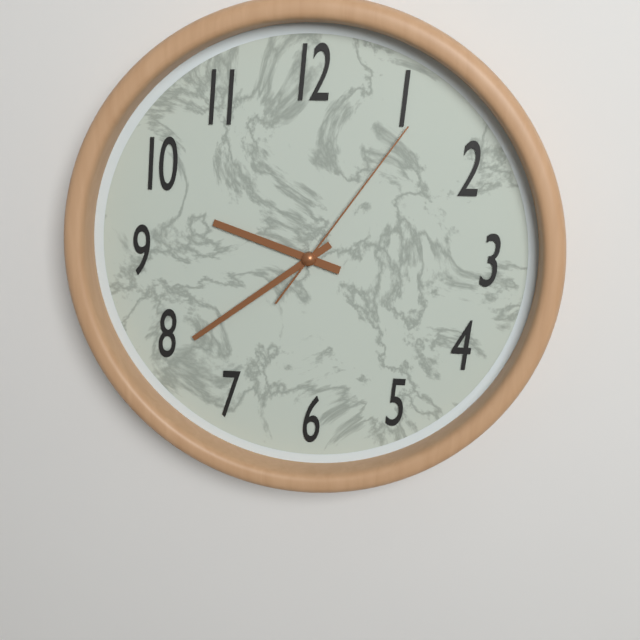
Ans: 9:39:06
